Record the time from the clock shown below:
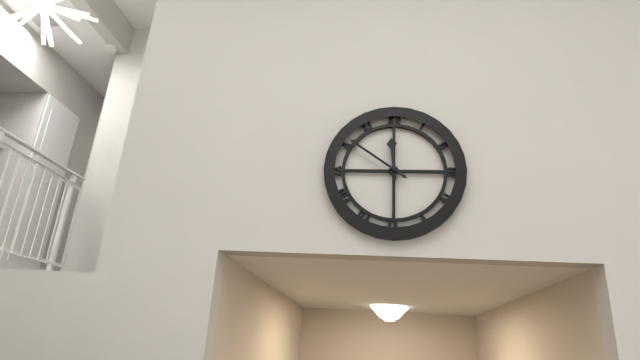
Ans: 11:51
